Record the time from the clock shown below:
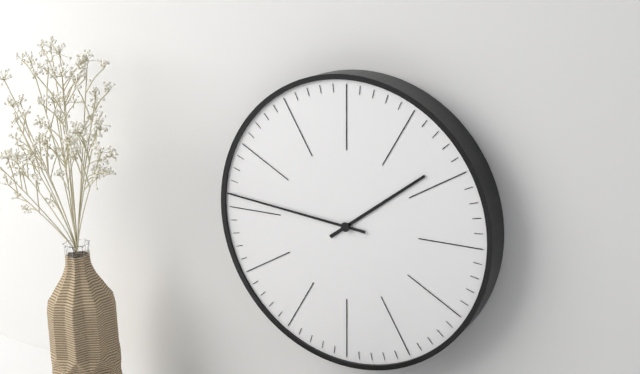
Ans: 1:46
